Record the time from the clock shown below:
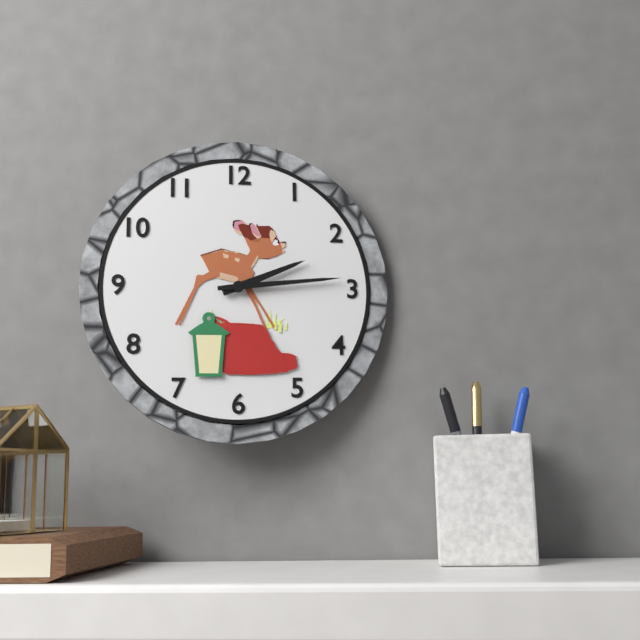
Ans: 2:14
